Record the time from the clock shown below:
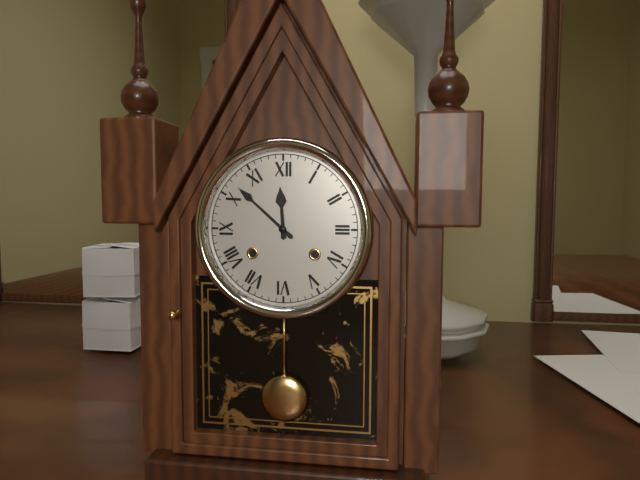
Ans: 11:52
